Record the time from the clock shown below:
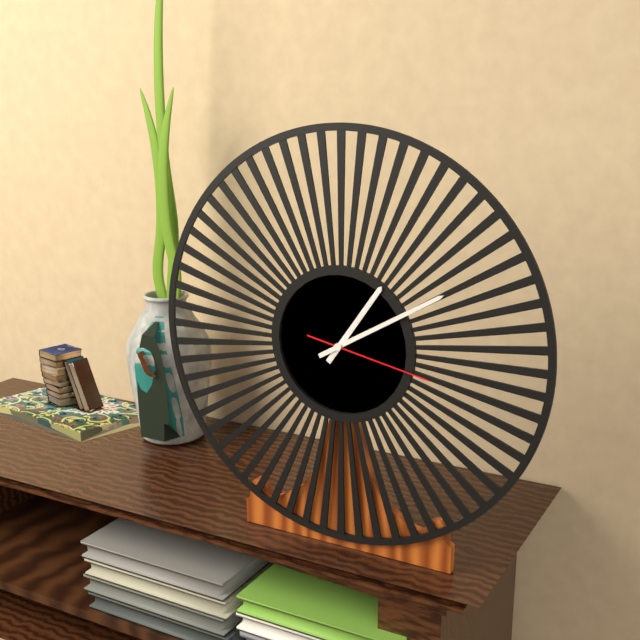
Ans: 1:10:17
